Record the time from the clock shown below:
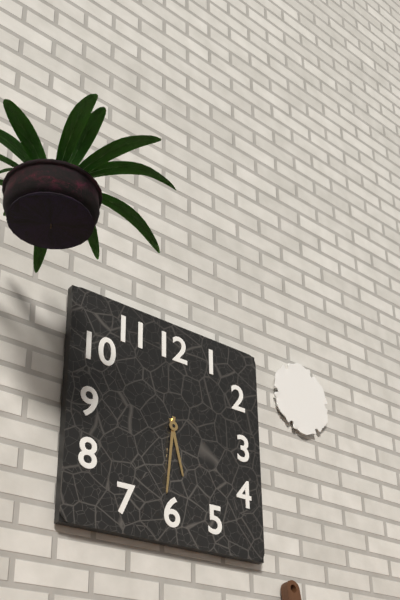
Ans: 5:31
